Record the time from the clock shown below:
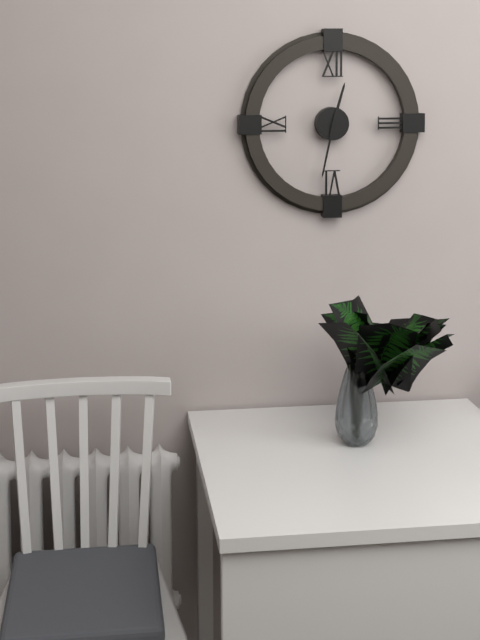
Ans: 12:32
